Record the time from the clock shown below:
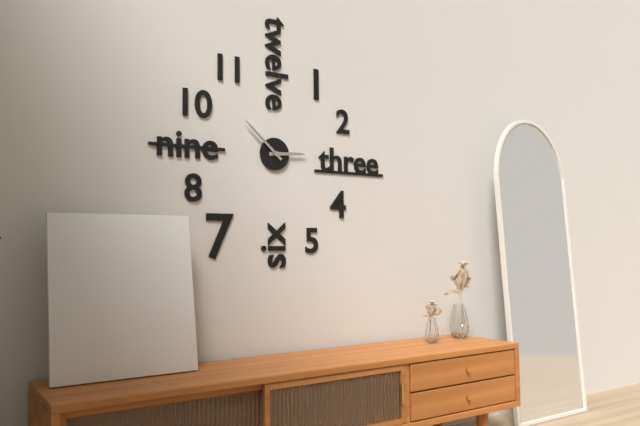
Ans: 2:52
